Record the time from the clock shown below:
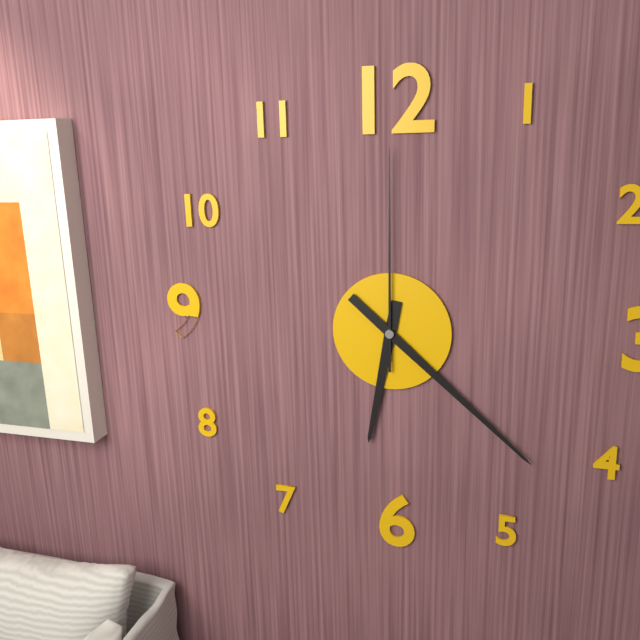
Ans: 6:22:00
